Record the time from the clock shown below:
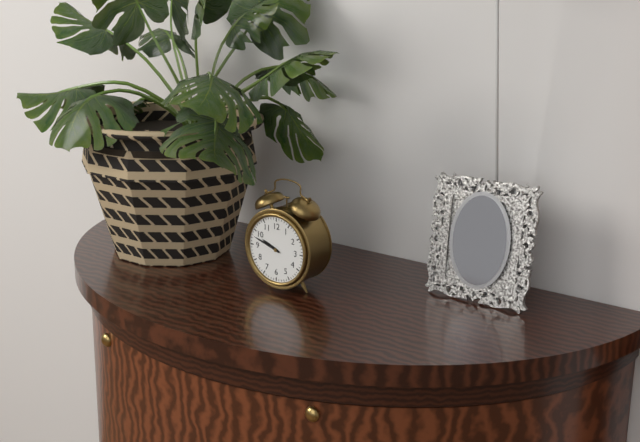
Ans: 9:48
